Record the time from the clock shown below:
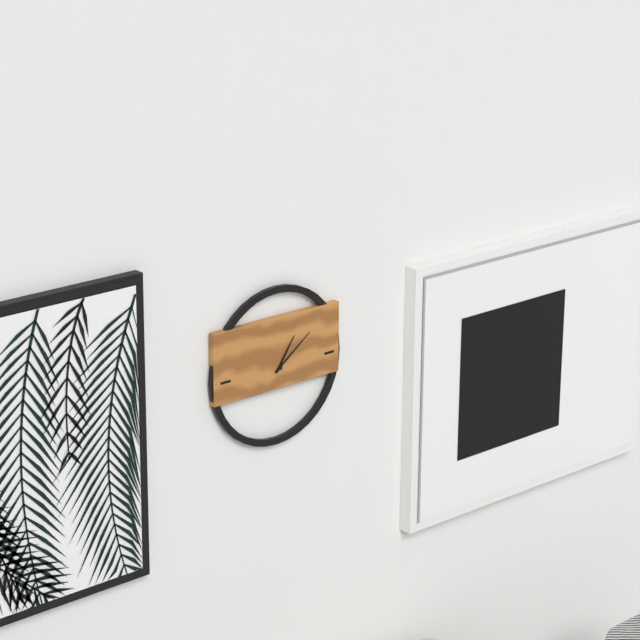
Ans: 1:09
